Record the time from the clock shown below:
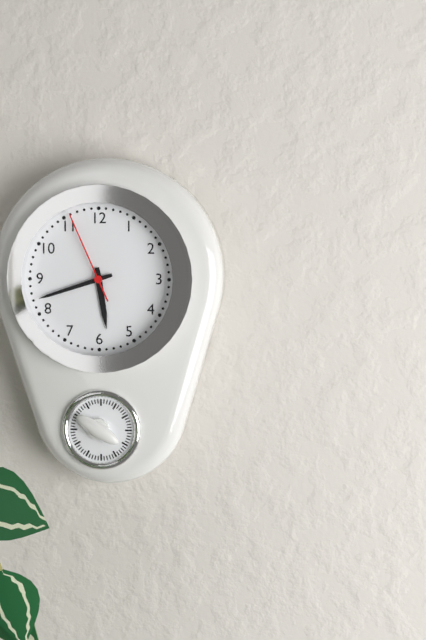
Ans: 5:42:56
